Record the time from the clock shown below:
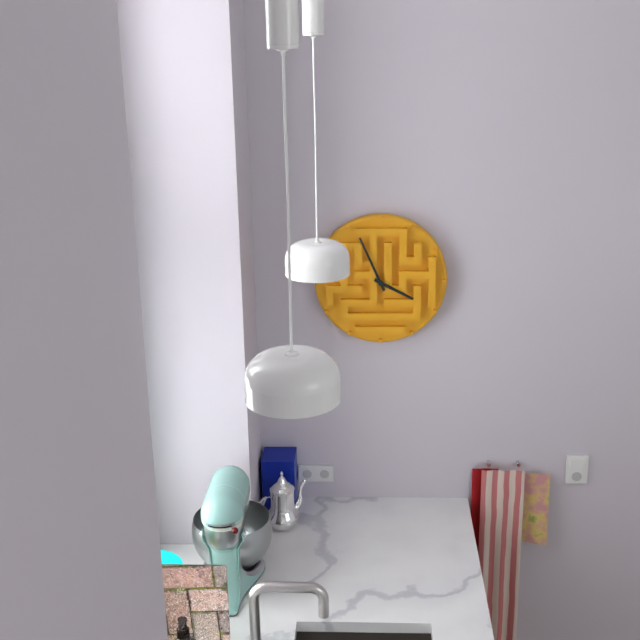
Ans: 3:56
